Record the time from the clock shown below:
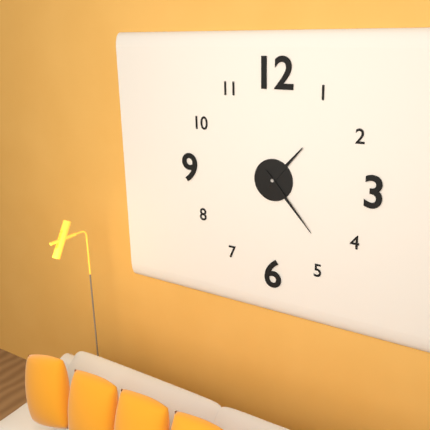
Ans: 1:23
